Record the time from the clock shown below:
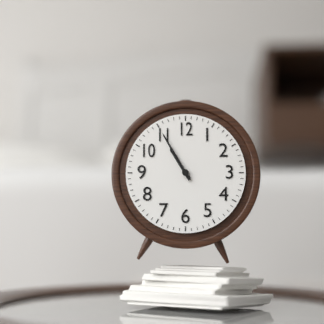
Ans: 10:55
